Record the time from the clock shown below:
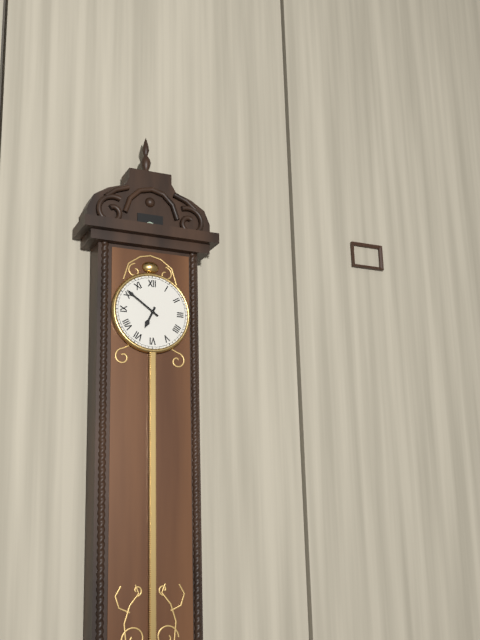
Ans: 6:51
